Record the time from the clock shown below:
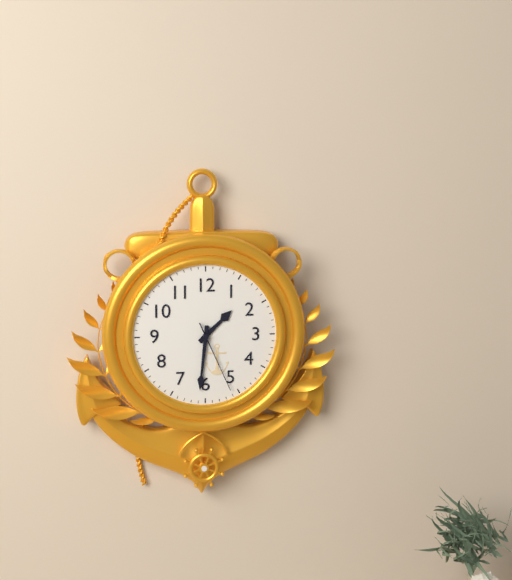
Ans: 1:31:26
